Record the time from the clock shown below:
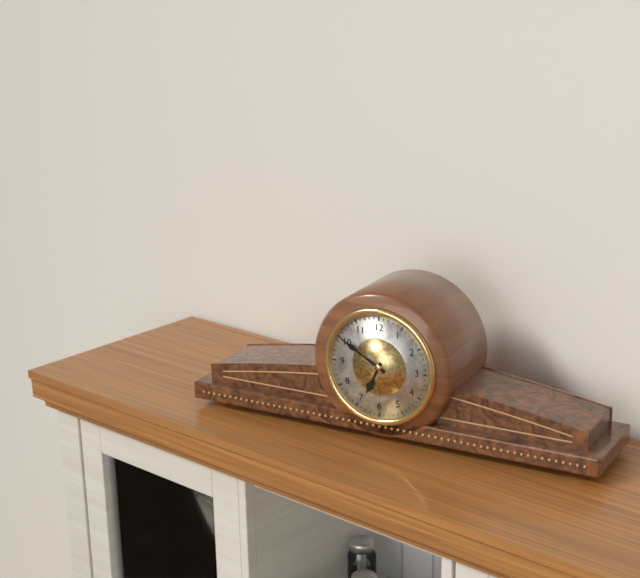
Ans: 6:50
